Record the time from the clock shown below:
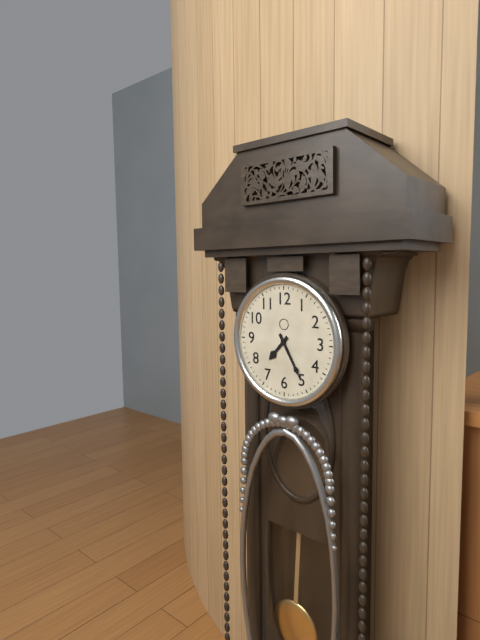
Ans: 7:25
